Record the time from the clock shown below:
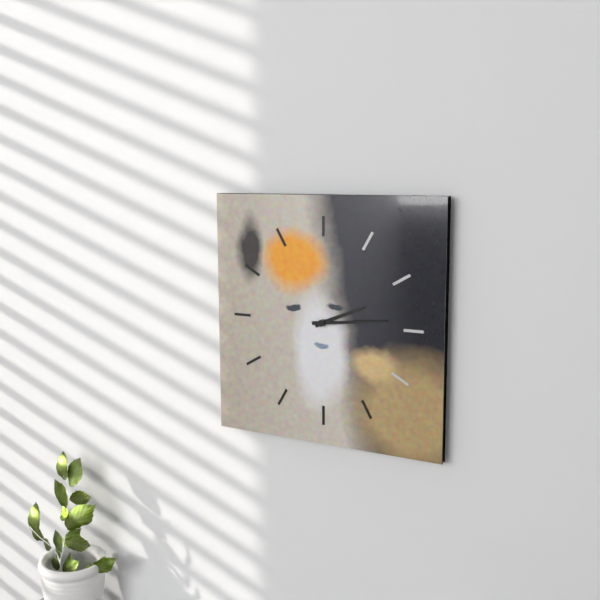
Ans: 2:14
